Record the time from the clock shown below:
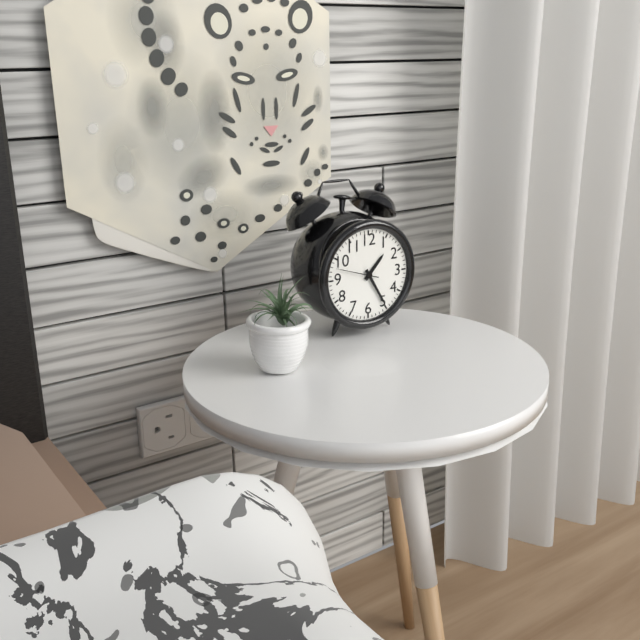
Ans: 1:25
